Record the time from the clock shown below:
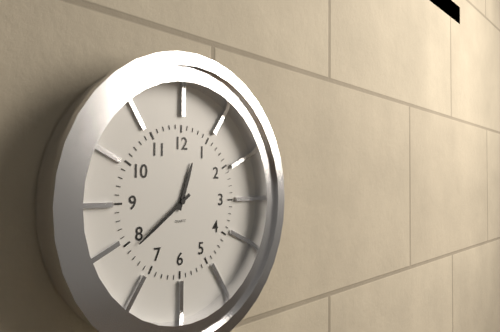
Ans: 12:39
